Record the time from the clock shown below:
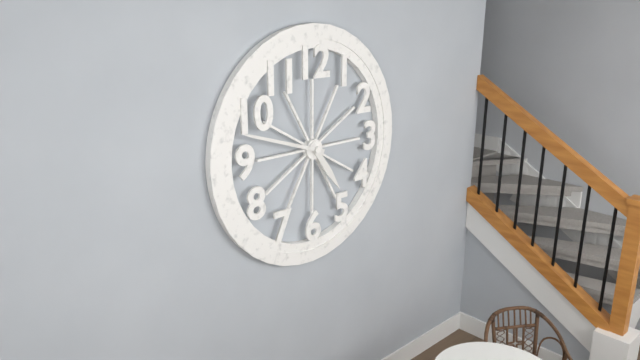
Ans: 4:48
